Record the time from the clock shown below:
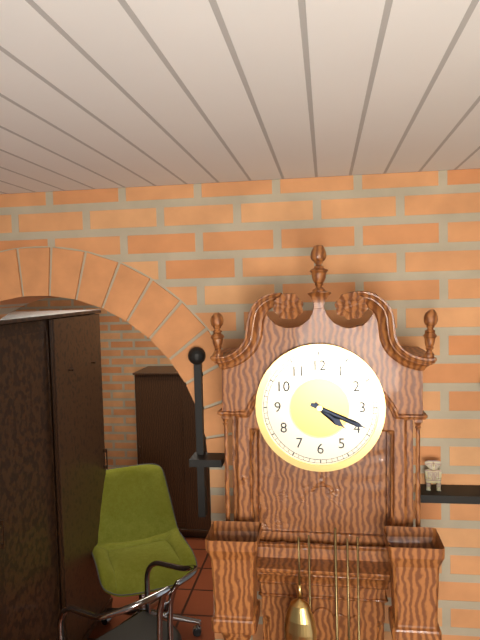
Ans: 4:19
